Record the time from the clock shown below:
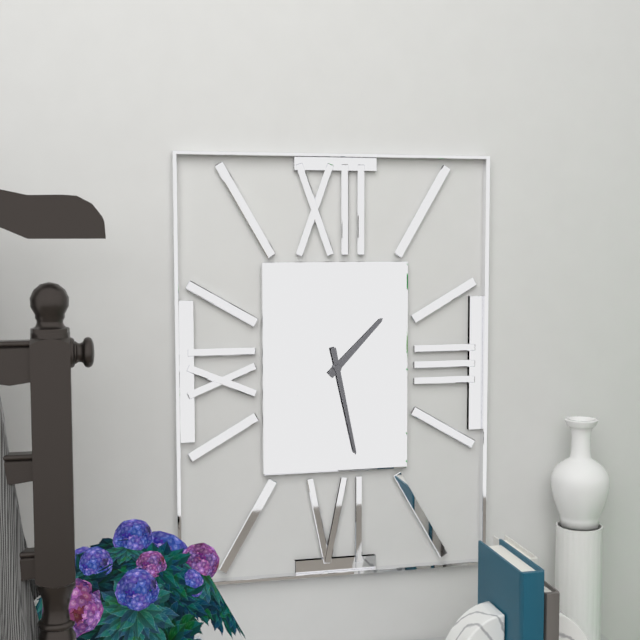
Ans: 1:28
